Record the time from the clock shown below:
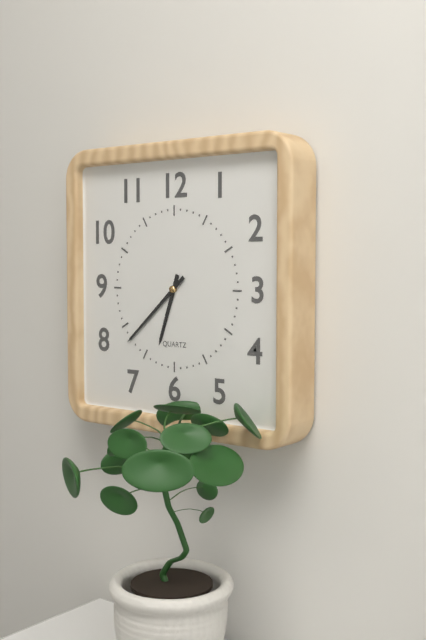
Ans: 6:38
